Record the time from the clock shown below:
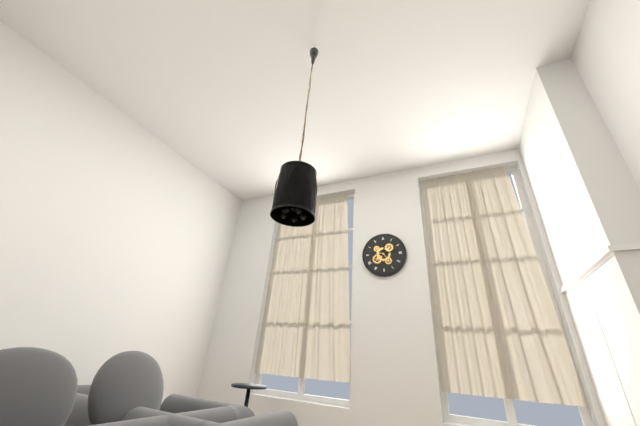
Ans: 12:13
